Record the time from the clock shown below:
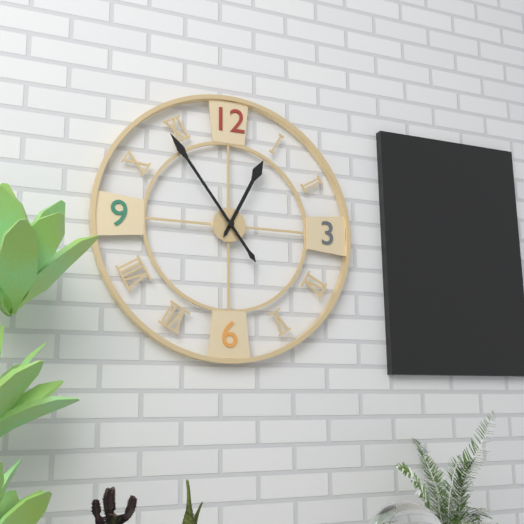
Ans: 12:54
